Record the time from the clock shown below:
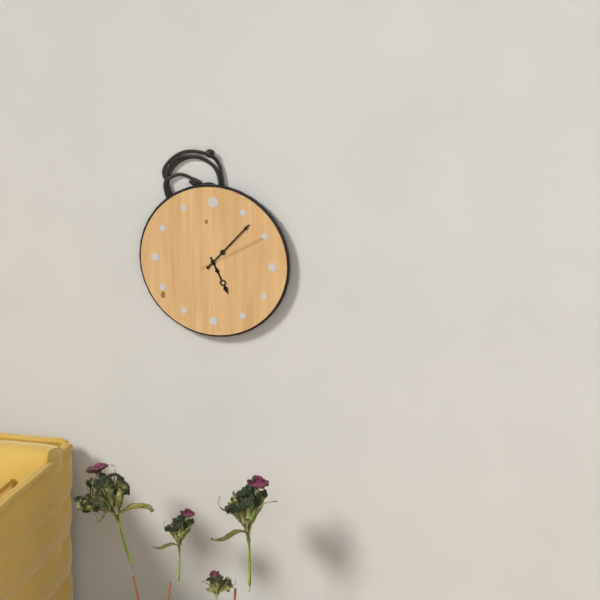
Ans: 5:07:10
